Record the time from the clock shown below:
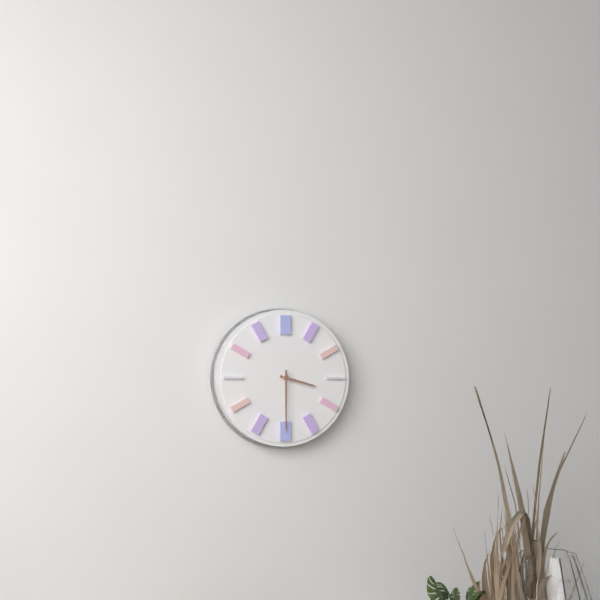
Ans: 3:30
